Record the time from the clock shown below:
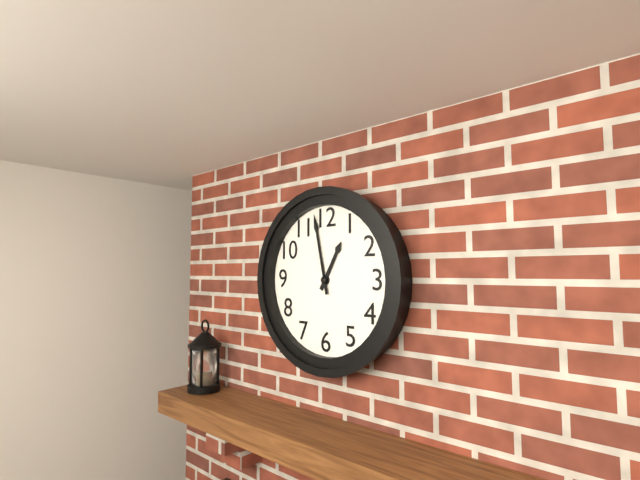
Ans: 12:58
